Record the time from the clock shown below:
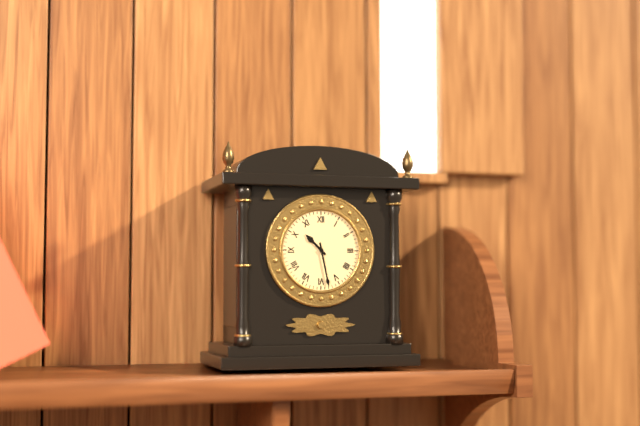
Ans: 10:28
